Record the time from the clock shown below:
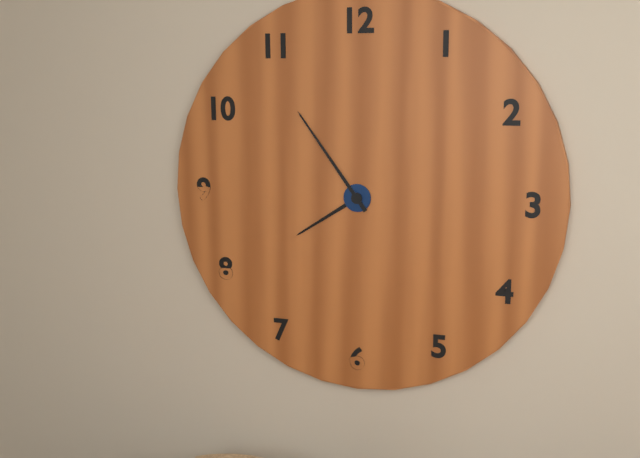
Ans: 7:54
